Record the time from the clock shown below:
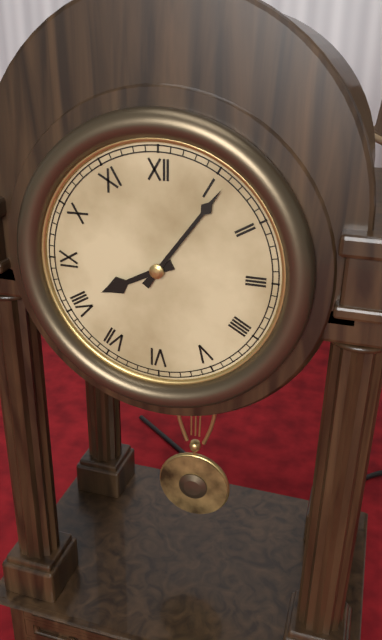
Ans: 8:06
